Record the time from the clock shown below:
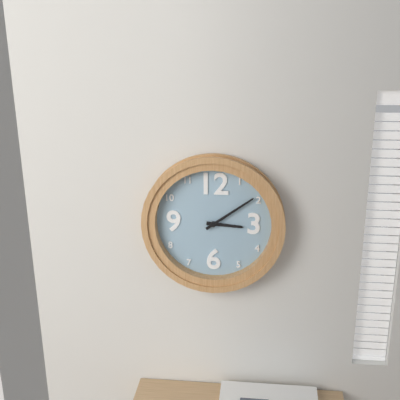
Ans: 3:09
